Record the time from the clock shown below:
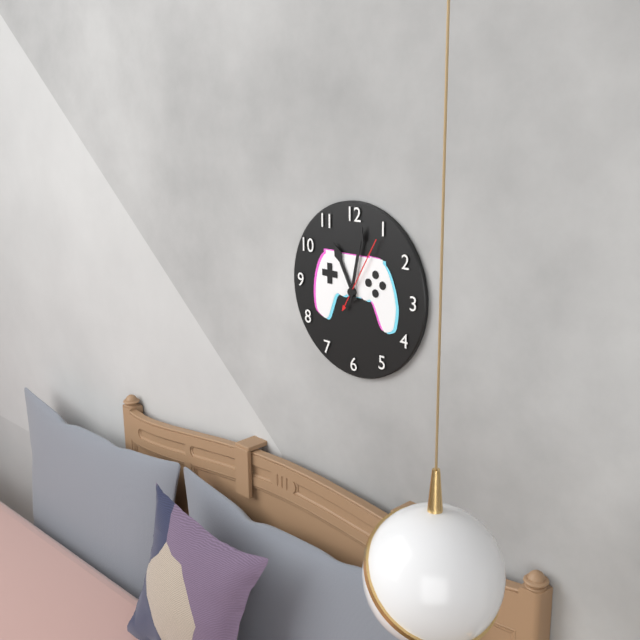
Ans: 11:02:05
